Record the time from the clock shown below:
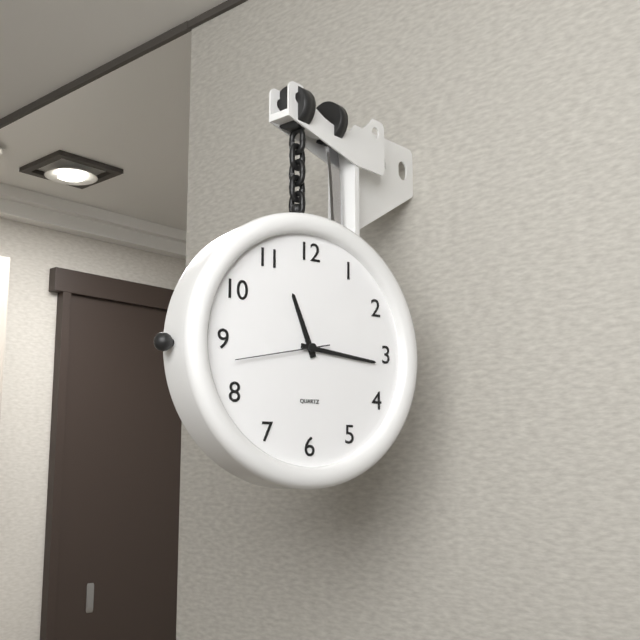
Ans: 11:16:43
